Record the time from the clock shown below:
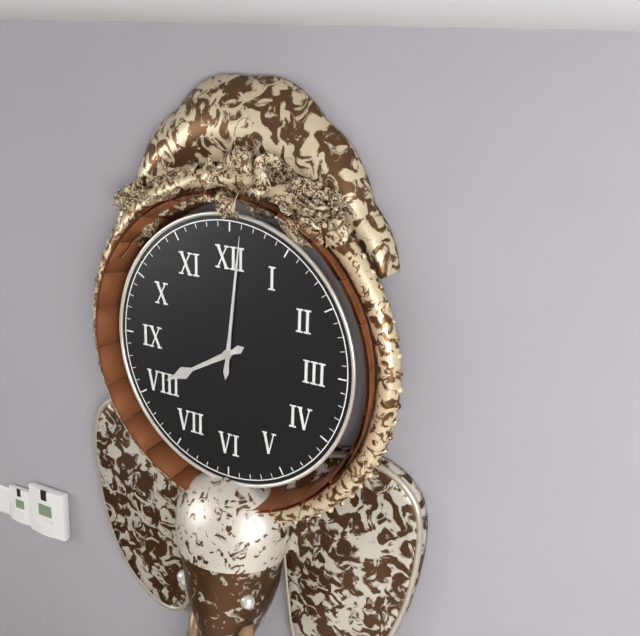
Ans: 8:01
